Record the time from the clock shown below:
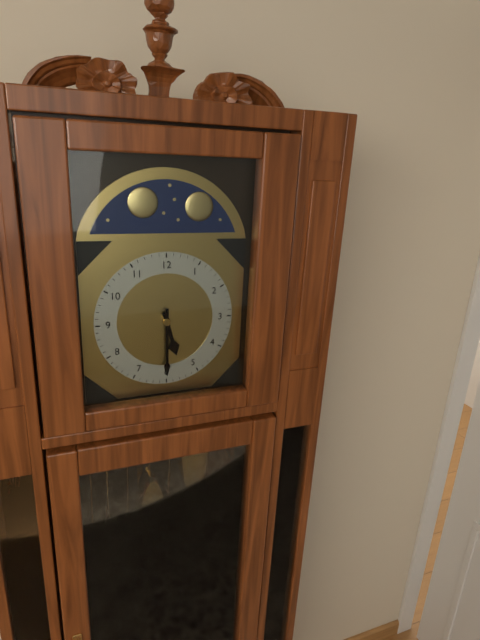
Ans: 5:30
